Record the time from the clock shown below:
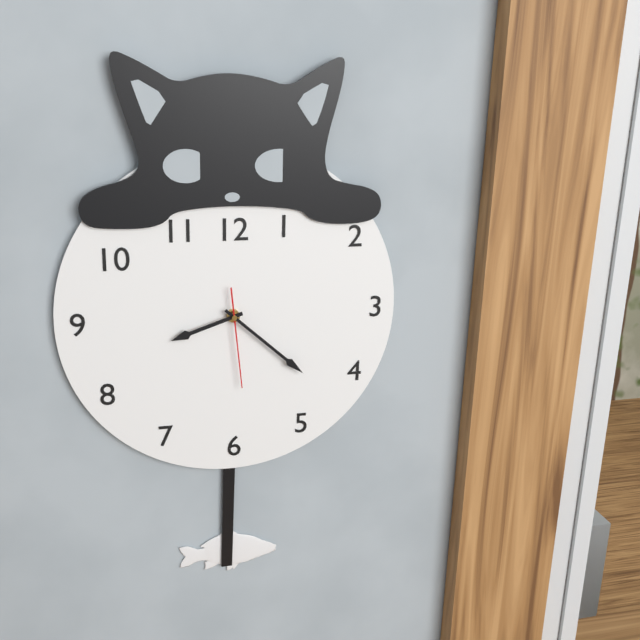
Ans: 8:22:29
